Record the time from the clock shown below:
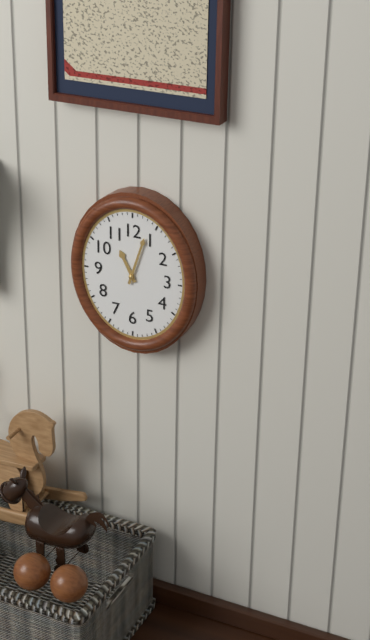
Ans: 11:03
